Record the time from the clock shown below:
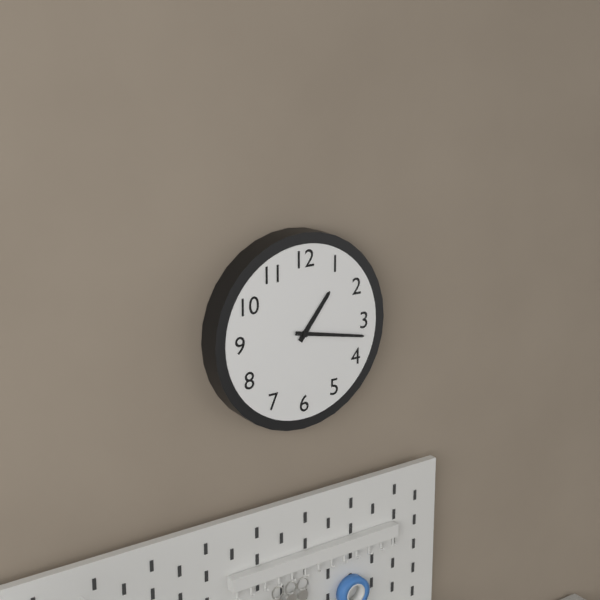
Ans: 1:17
